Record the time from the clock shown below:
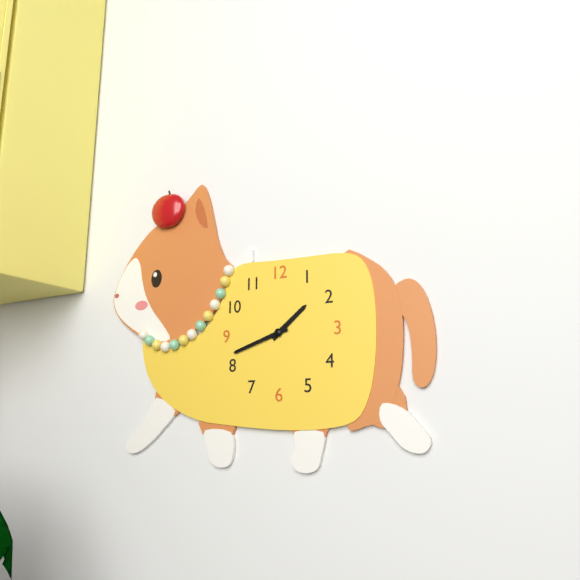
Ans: 1:42
